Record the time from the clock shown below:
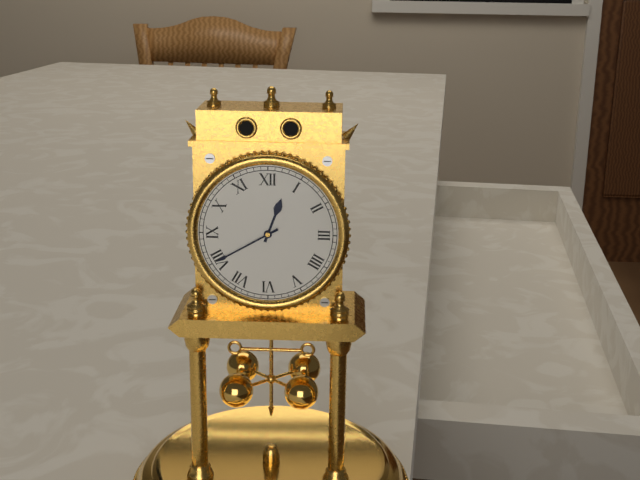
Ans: 12:40
